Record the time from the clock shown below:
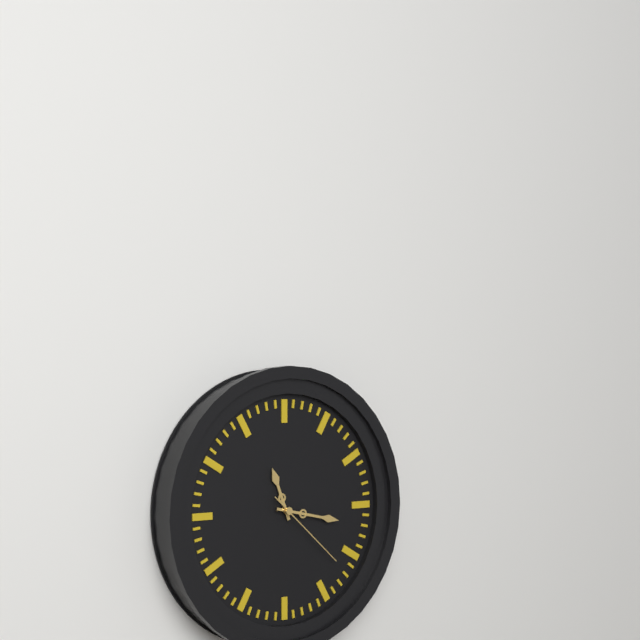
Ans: 11:17:22
